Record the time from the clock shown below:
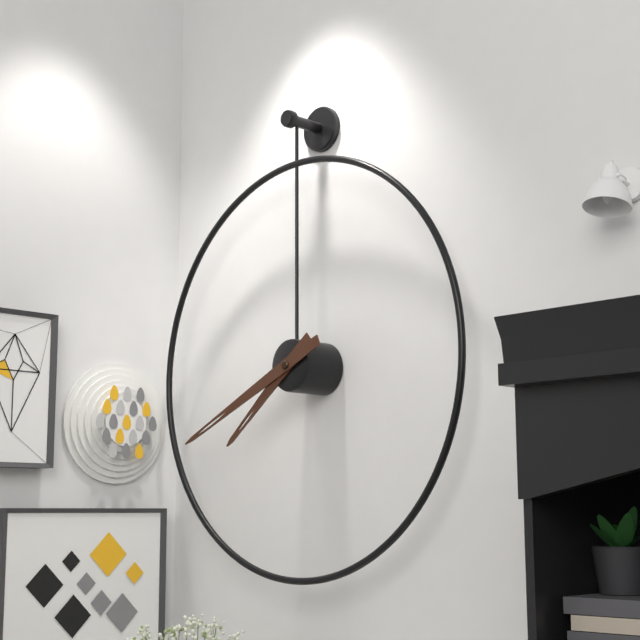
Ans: 7:41
